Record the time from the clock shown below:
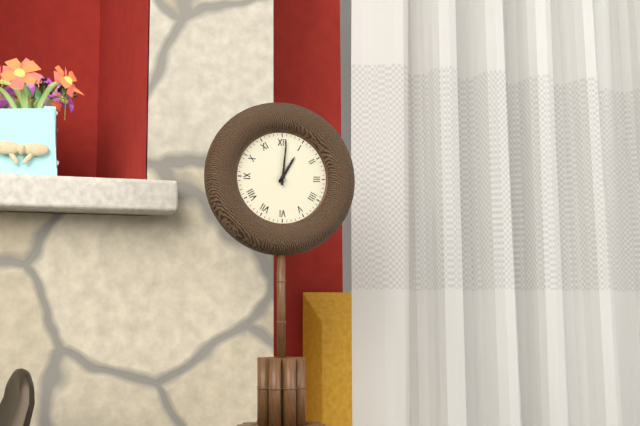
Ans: 1:01
